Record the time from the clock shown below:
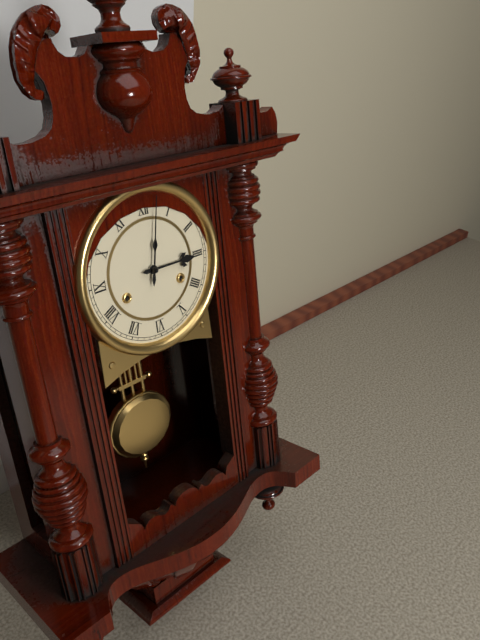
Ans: 3:02
